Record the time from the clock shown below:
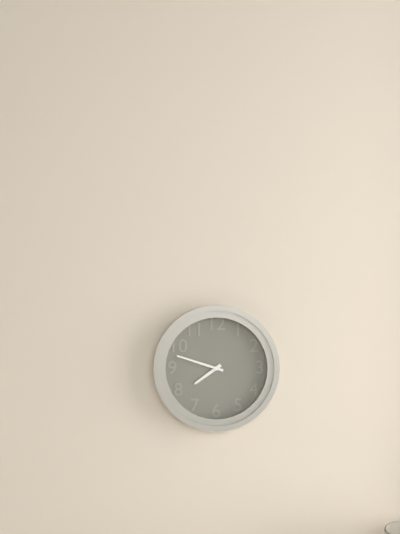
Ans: 7:48
